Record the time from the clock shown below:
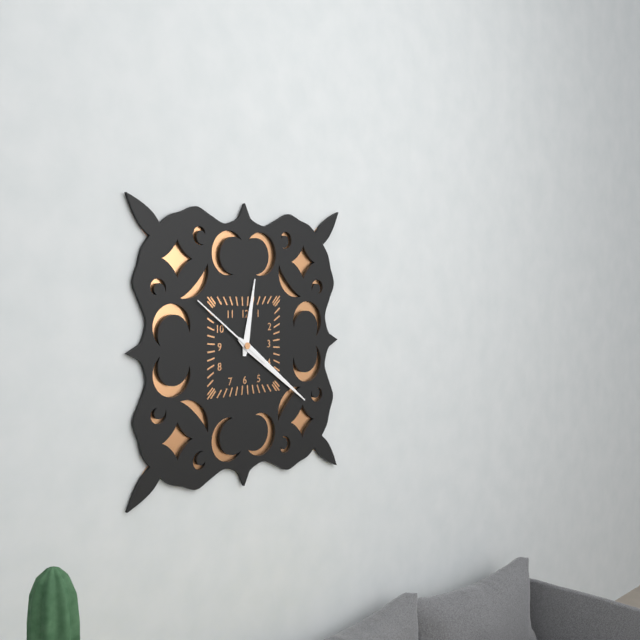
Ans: 12:21:51
